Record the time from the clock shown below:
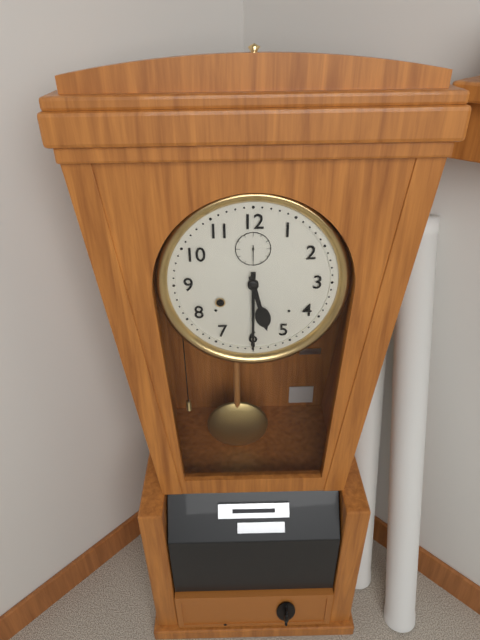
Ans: 5:30
